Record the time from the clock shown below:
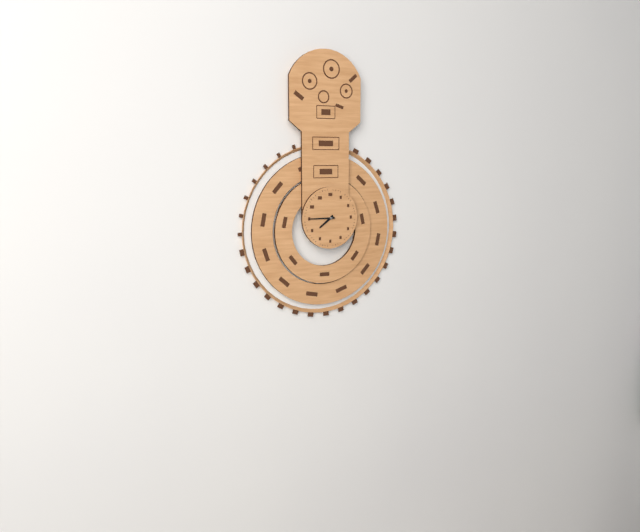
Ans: 7:45
